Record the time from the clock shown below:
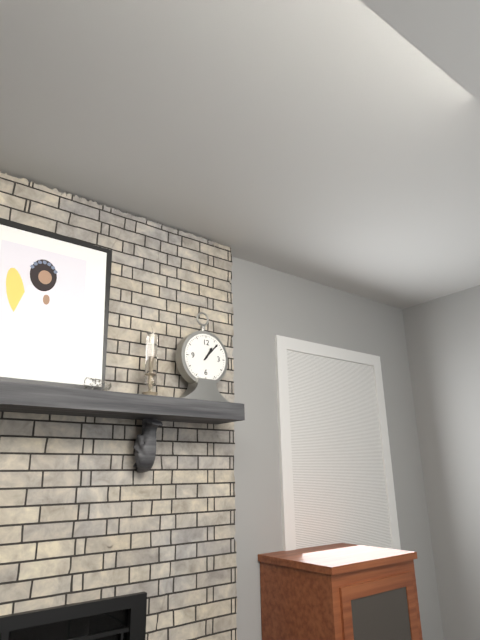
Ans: 1:07
